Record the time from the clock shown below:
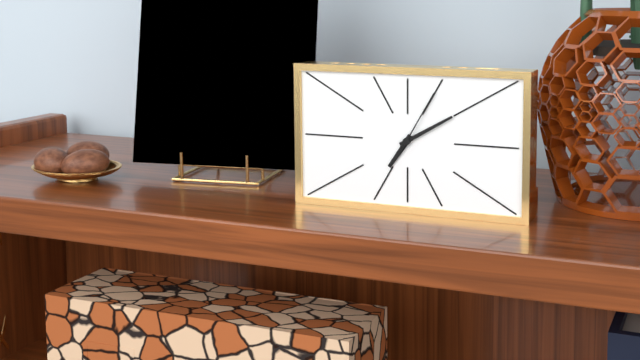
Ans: 7:10:05
